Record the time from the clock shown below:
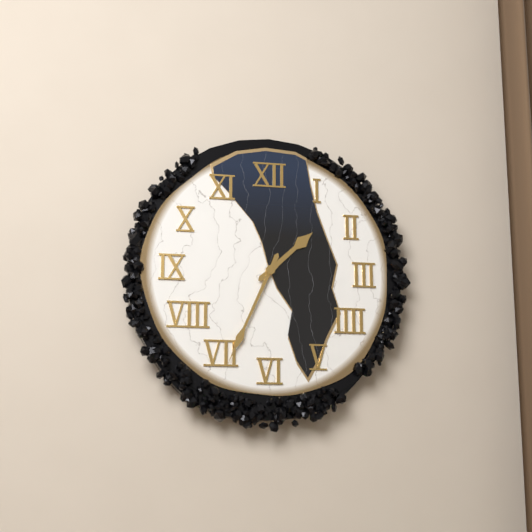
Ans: 1:34
